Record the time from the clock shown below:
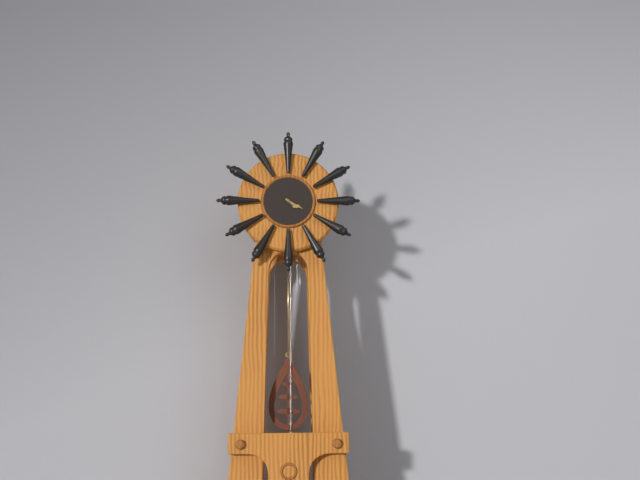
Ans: 4:20
